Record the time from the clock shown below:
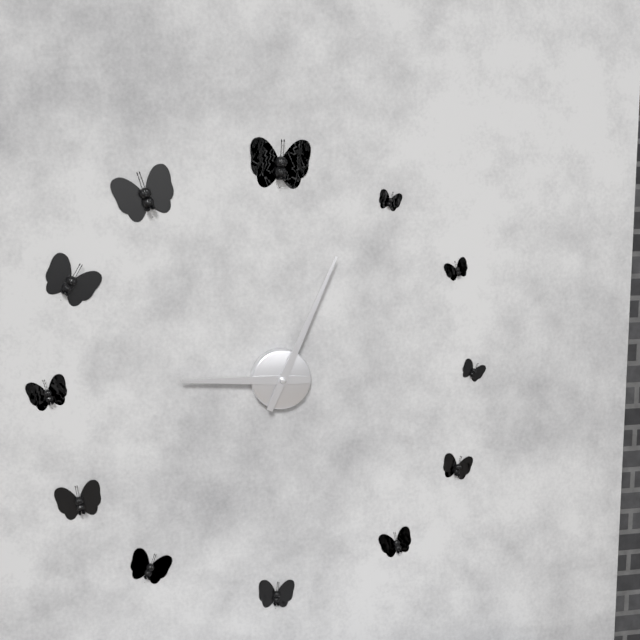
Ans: 9:04
